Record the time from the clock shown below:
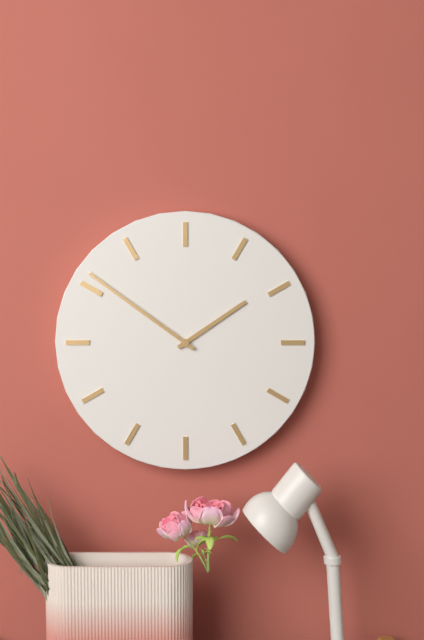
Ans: 1:51
